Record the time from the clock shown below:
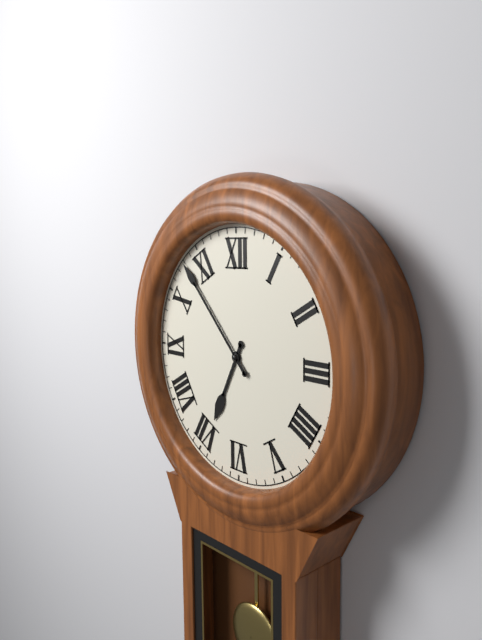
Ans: 6:53
